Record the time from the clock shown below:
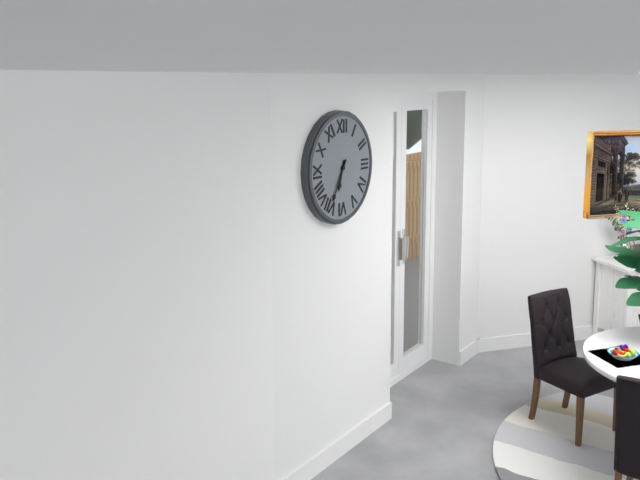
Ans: 6:35
